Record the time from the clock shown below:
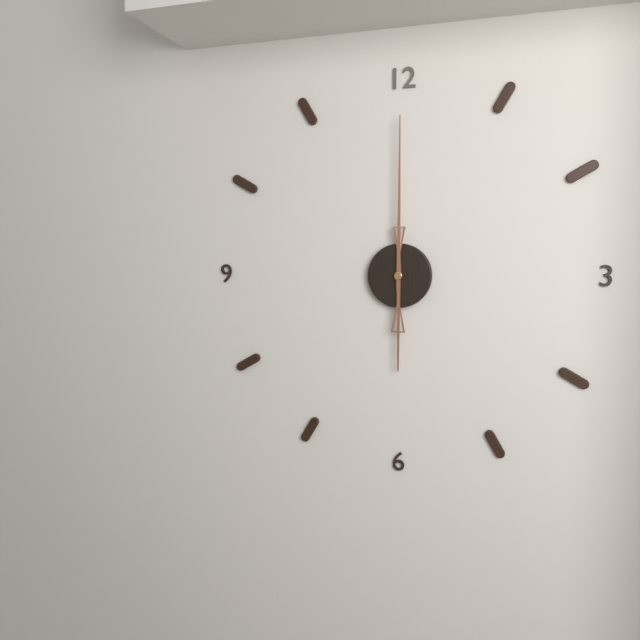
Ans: 6:00
